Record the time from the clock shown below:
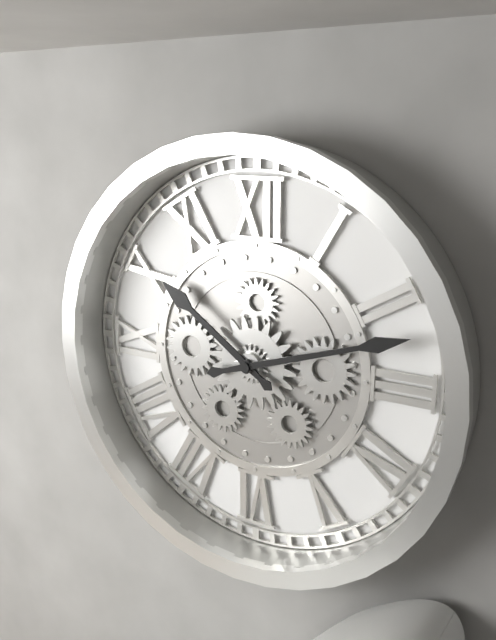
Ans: 10:12
